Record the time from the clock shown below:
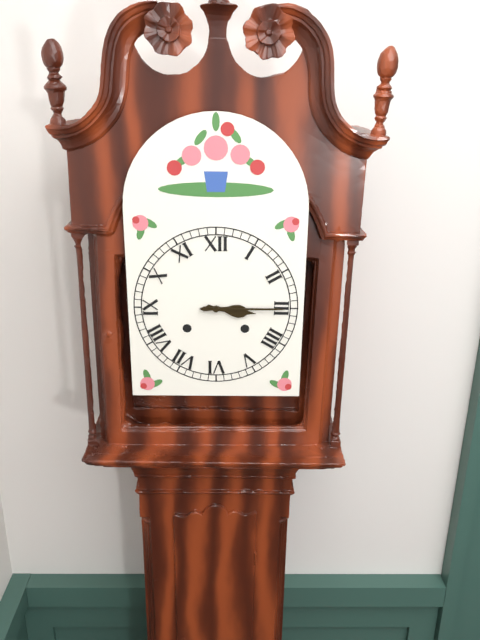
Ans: 3:15
